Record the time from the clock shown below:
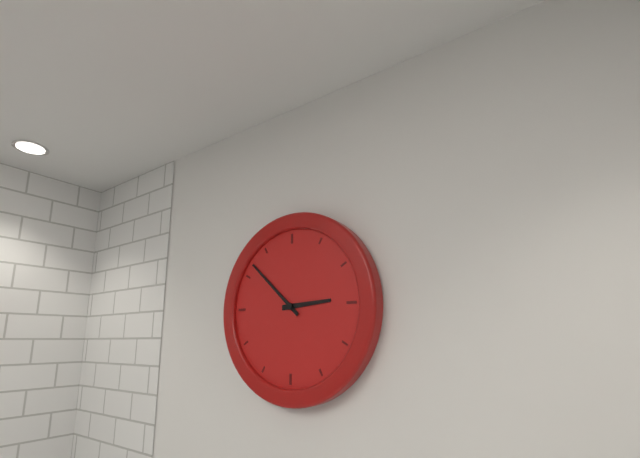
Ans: 2:52
